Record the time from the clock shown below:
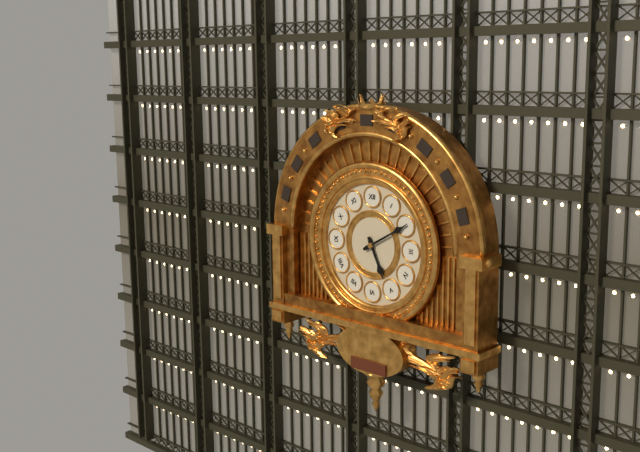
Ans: 5:10
